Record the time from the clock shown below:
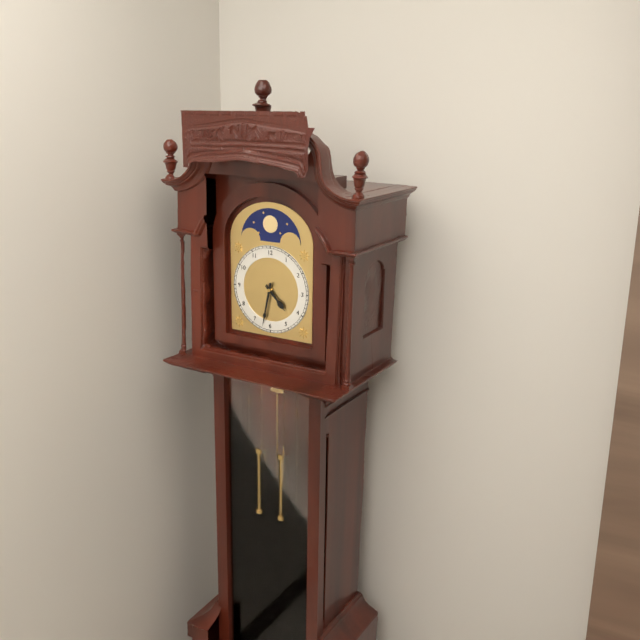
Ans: 4:32
